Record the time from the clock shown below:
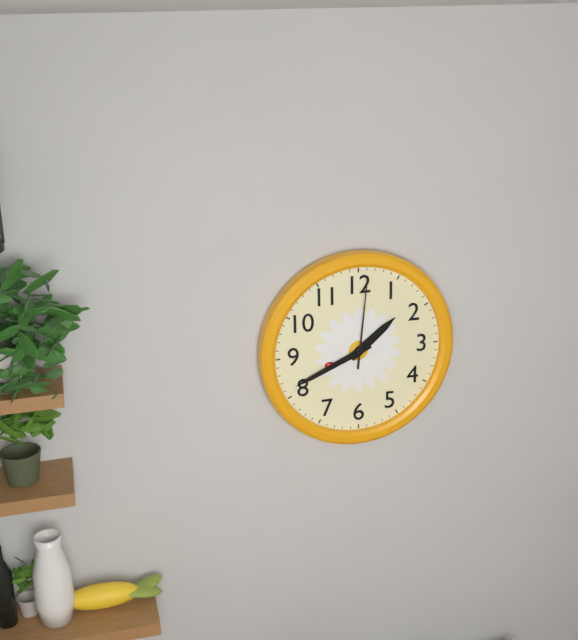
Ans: 1:41:01
